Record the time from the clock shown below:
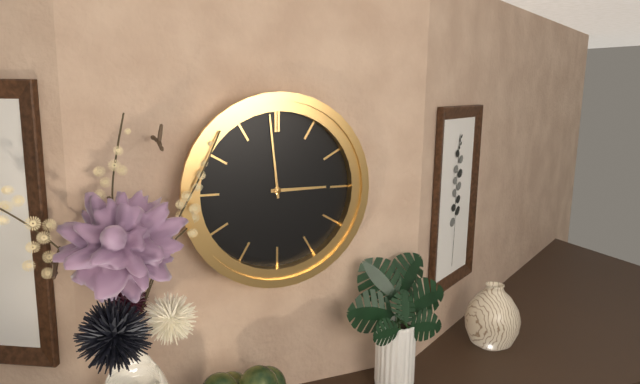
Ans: 2:59
